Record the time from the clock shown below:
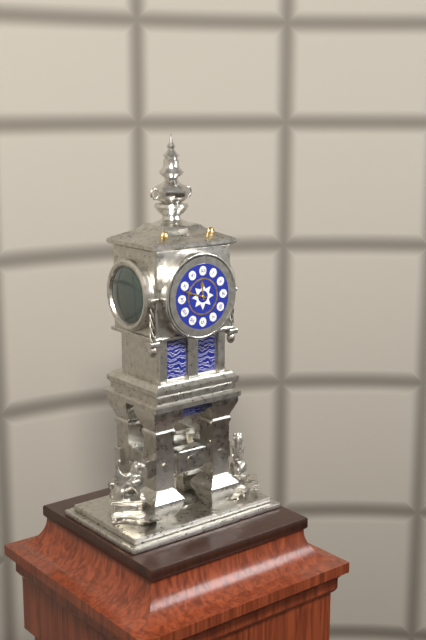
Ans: 11:48
